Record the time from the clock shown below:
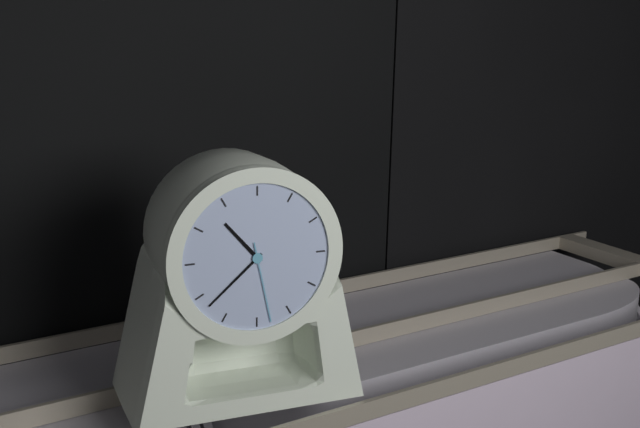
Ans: 10:38:28
